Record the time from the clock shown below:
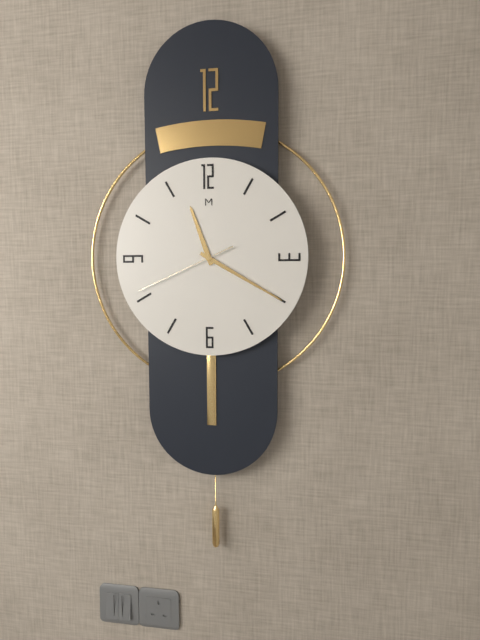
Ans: 11:20:41
